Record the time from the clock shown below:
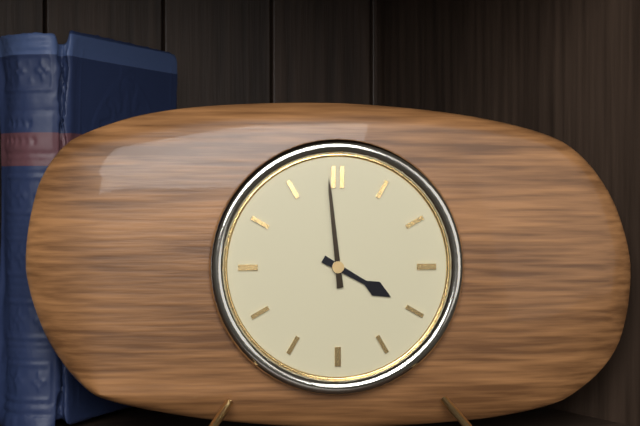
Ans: 3:59
